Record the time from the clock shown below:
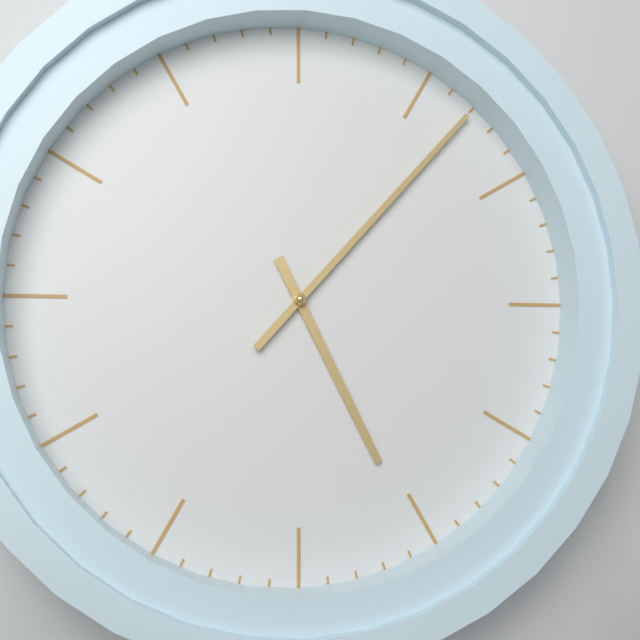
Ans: 5:07
